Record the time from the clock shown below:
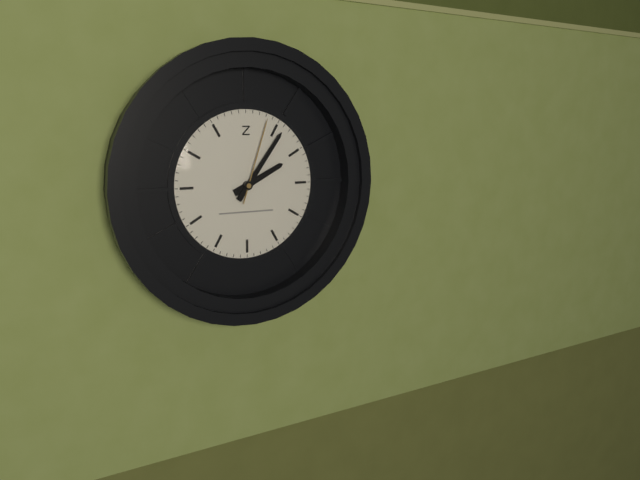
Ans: 2:06:03
